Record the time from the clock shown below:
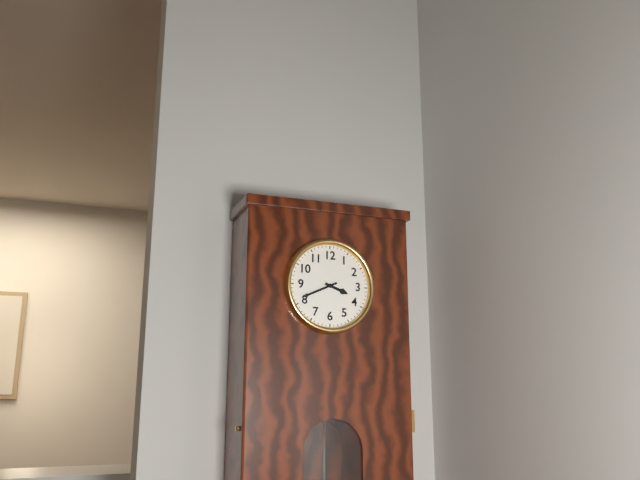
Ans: 3:41
